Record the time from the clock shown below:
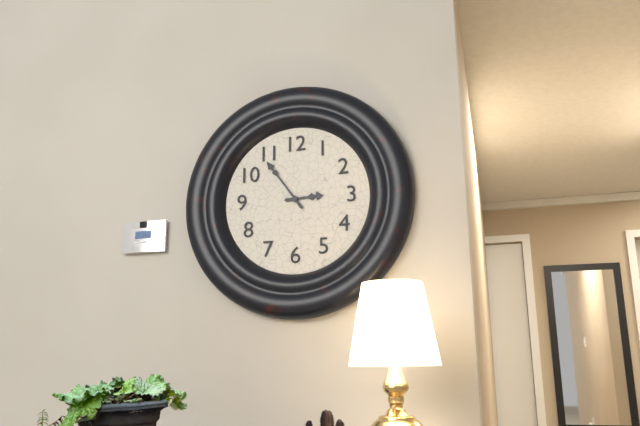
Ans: 2:54
